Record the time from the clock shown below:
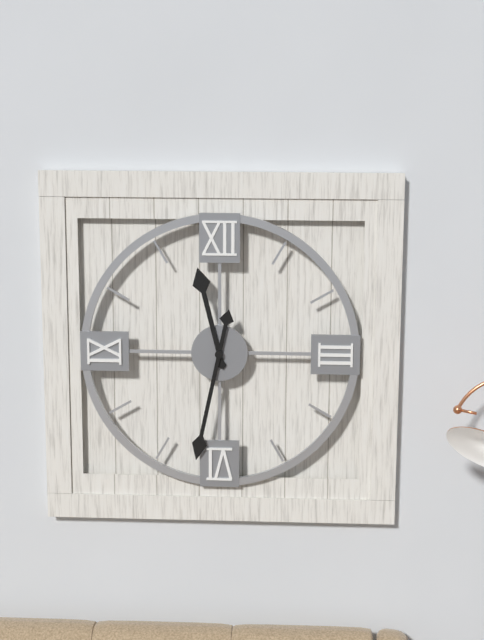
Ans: 11:32
